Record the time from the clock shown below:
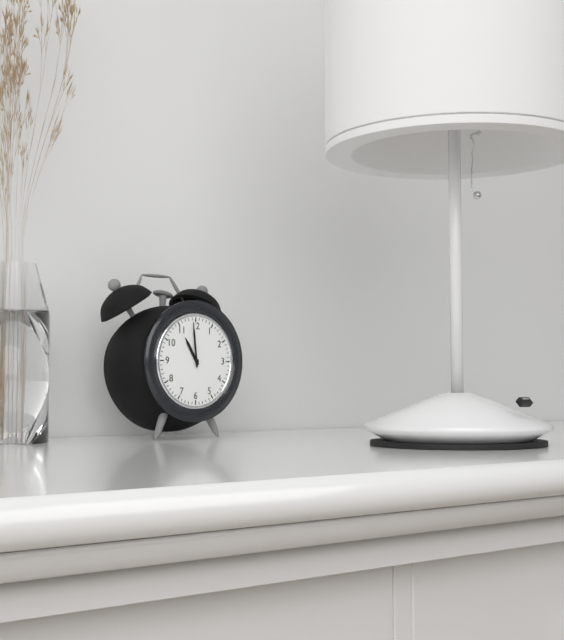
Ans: 10:59
